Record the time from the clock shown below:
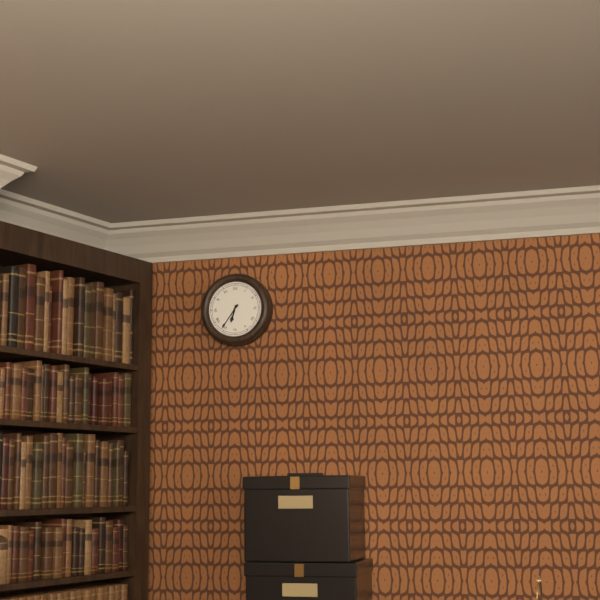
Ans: 6:36
